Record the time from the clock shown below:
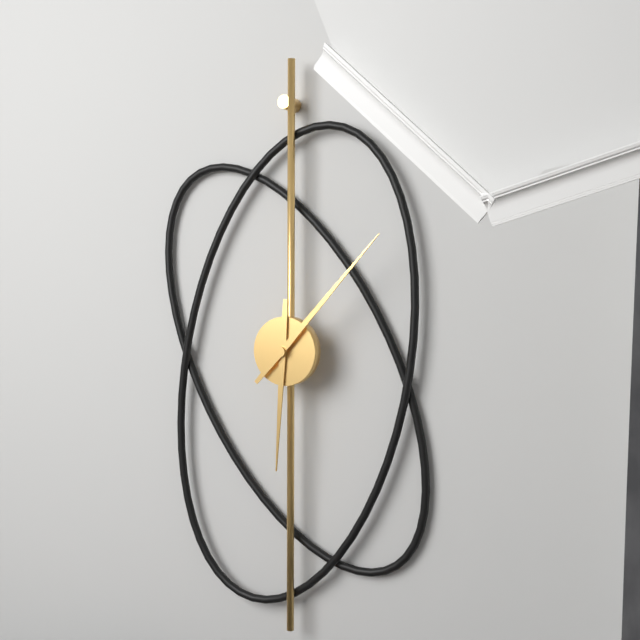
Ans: 6:07
